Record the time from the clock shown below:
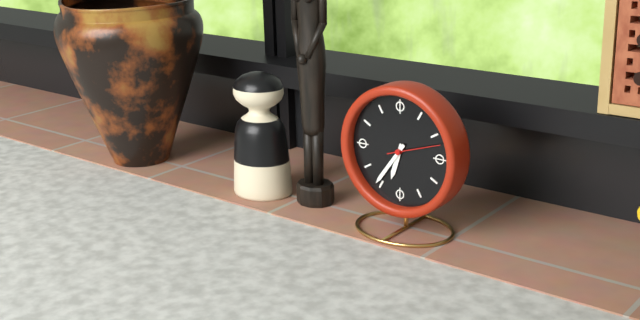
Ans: 6:36:12
